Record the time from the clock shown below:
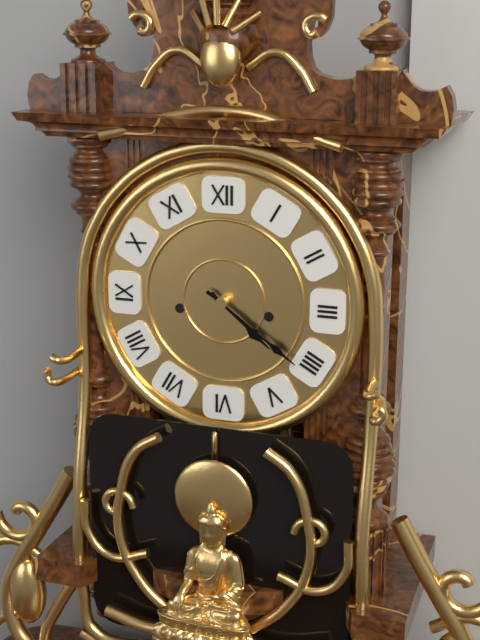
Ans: 4:21
